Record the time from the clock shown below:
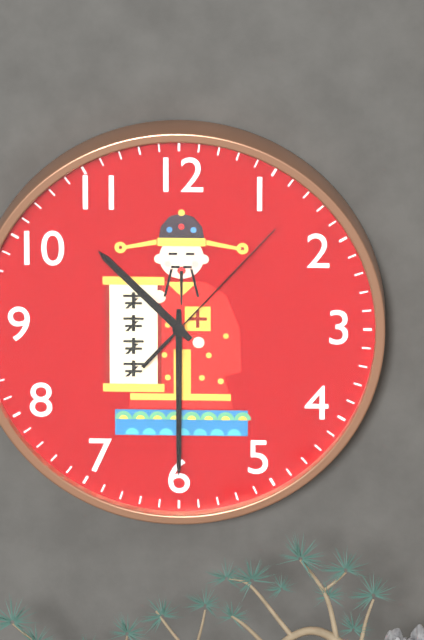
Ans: 10:30:07
